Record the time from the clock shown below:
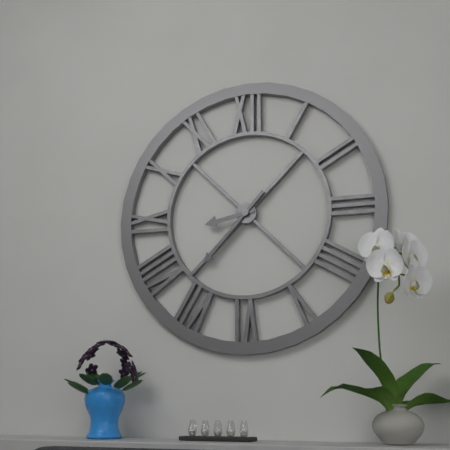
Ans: 8:37
